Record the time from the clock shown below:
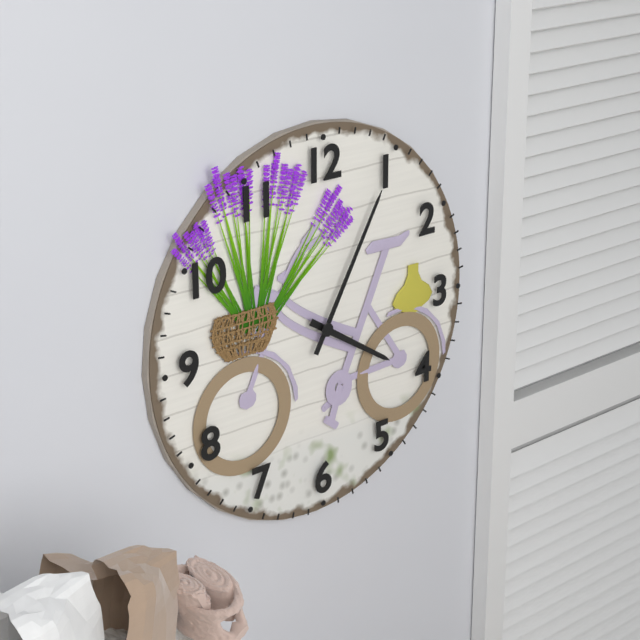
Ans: 4:05
